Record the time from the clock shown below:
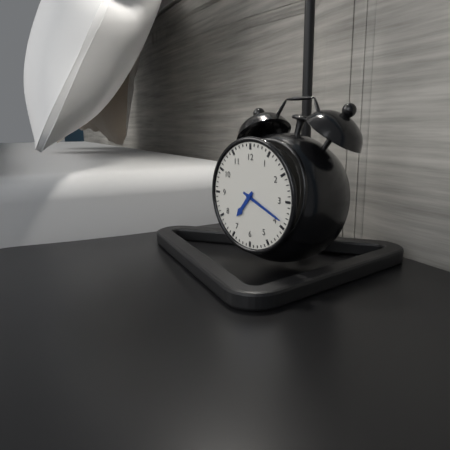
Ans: 7:19
